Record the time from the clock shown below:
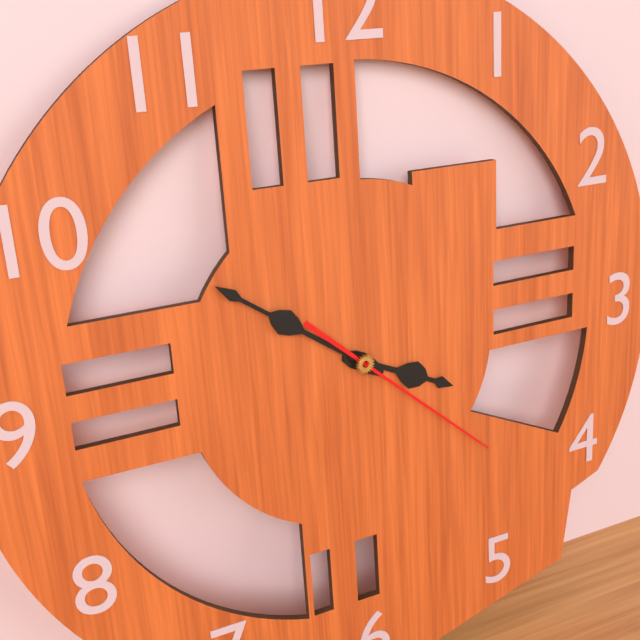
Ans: 3:51:22
